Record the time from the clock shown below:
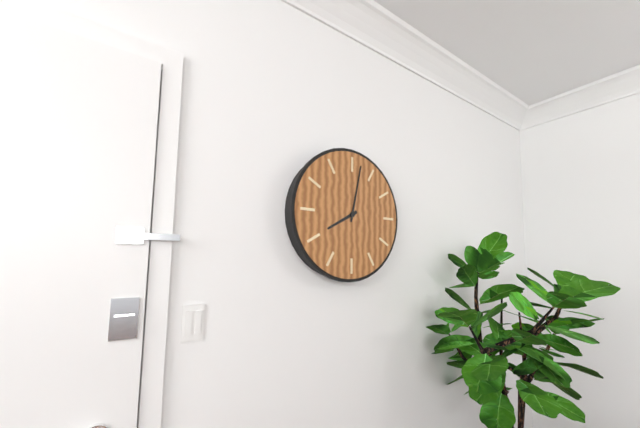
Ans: 8:02
